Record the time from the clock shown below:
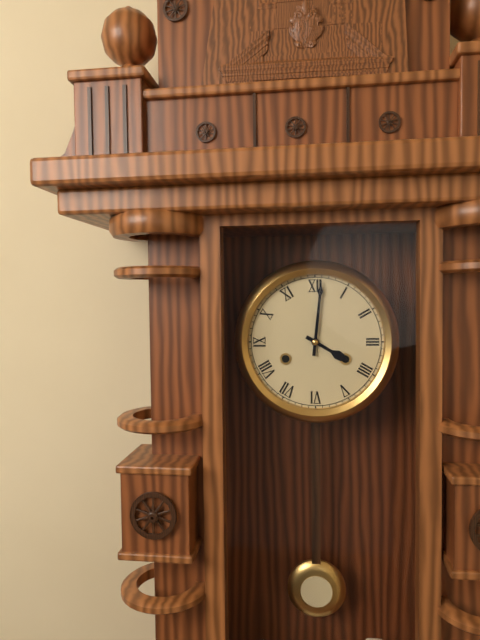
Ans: 4:01
